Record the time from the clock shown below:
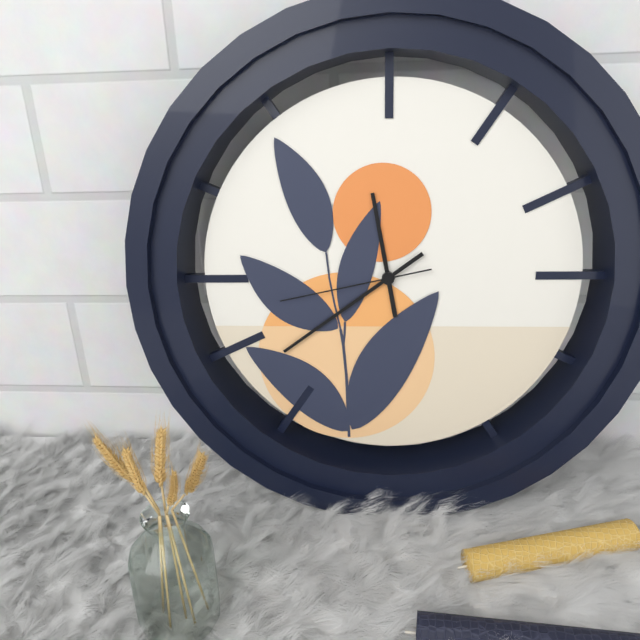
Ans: 11:39:43
